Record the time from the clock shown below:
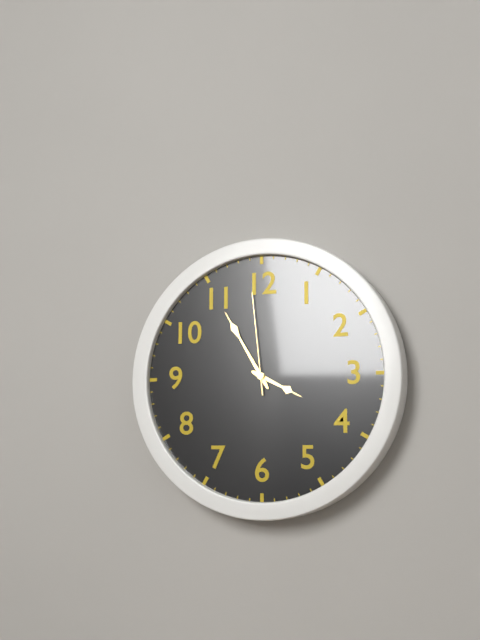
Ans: 3:55:59
